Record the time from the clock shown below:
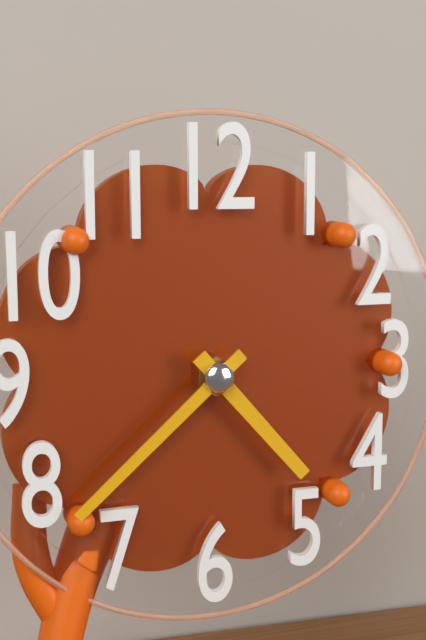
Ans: 4:38
